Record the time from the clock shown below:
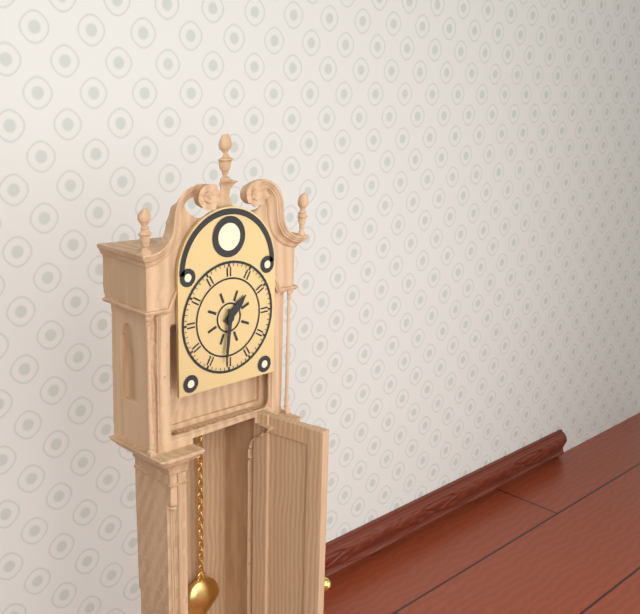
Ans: 1:31
